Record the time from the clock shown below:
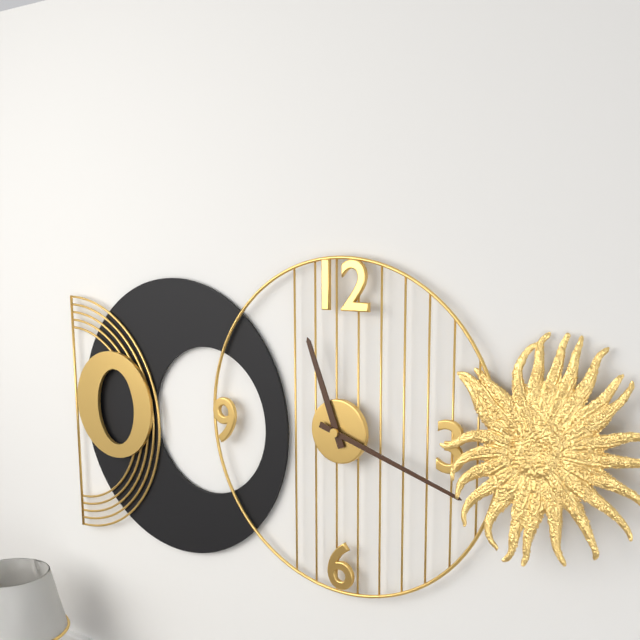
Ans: 11:18
